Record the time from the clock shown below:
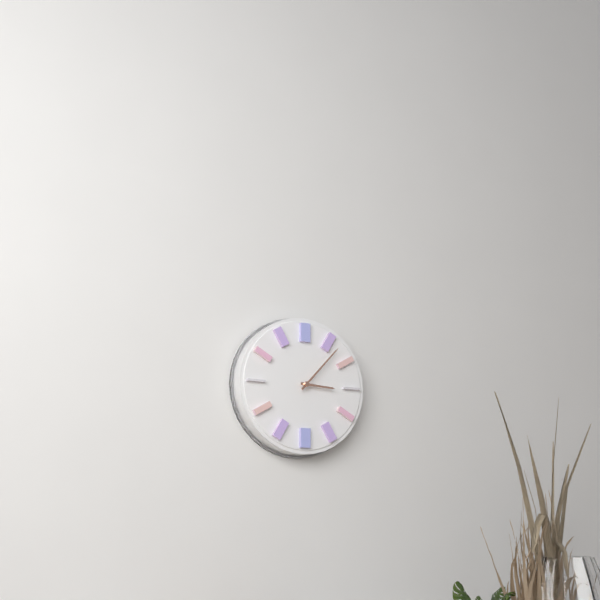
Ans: 3:07
